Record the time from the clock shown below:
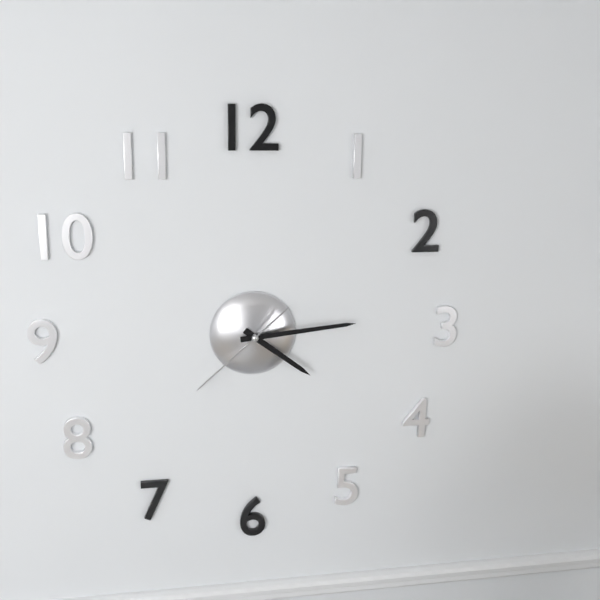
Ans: 4:14:38
